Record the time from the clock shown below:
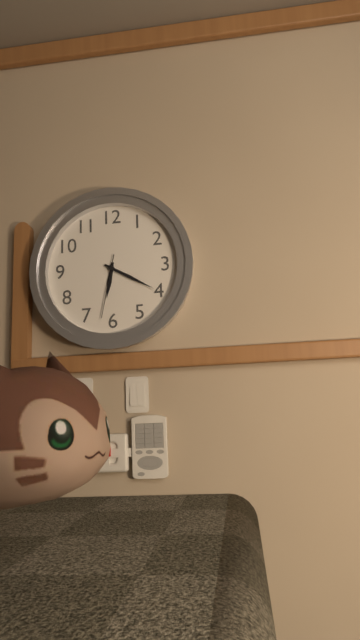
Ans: 6:20:32
